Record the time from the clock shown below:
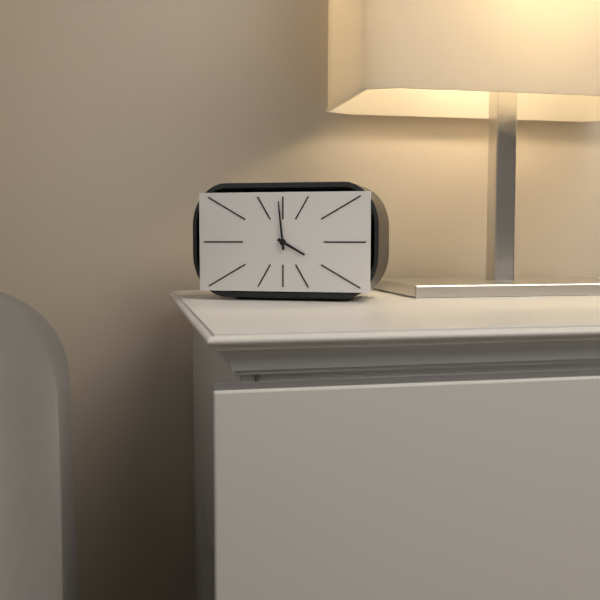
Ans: 3:59
